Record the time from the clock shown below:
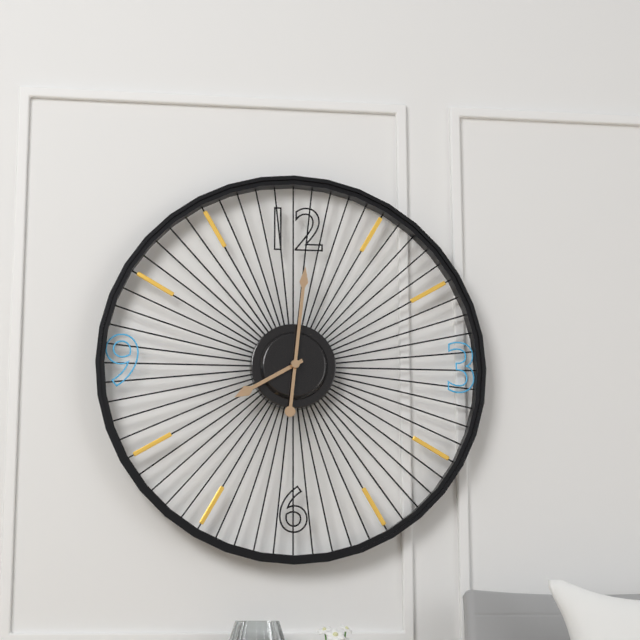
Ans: 8:01
